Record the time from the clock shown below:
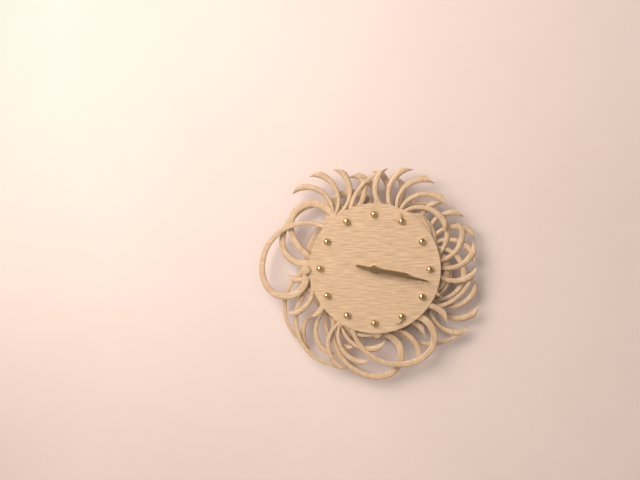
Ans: 3:17
